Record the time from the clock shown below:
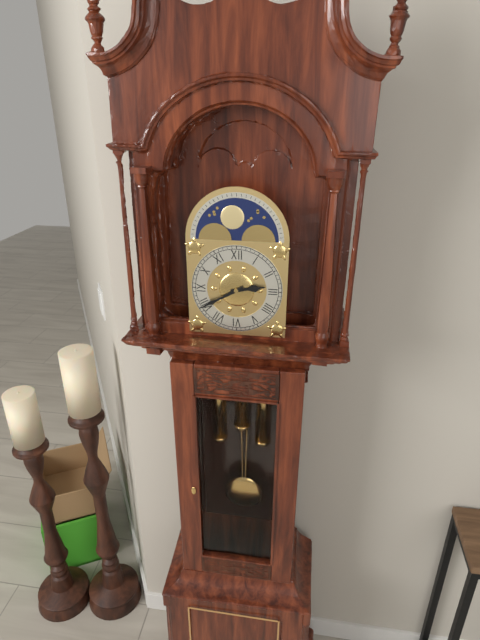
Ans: 2:40
